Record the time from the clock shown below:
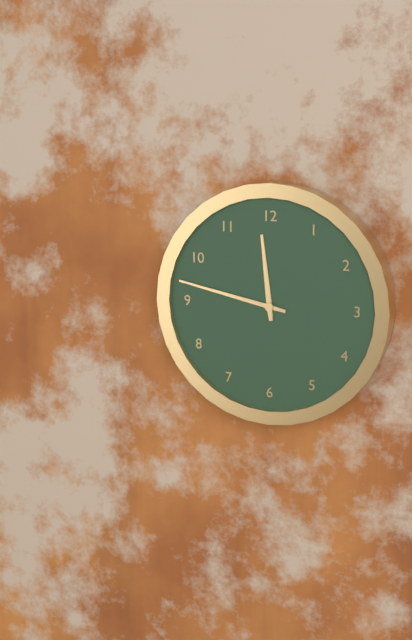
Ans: 11:47
